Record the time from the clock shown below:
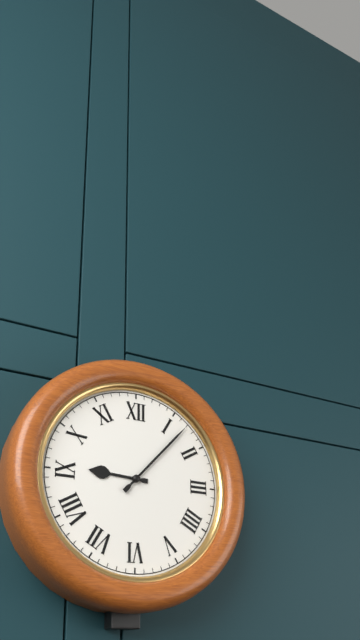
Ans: 9:07
